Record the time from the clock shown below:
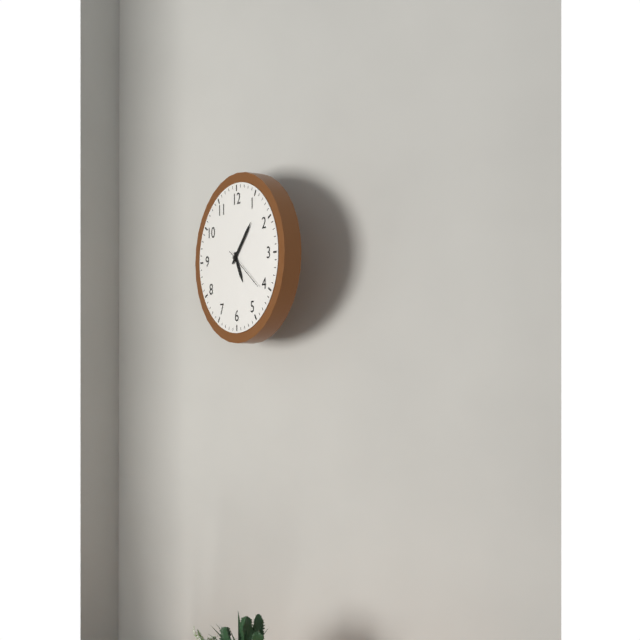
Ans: 5:07
